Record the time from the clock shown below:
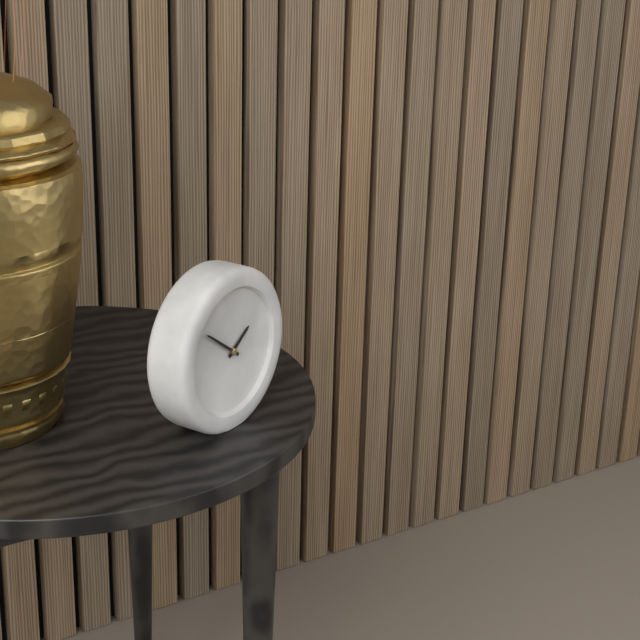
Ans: 1:51
